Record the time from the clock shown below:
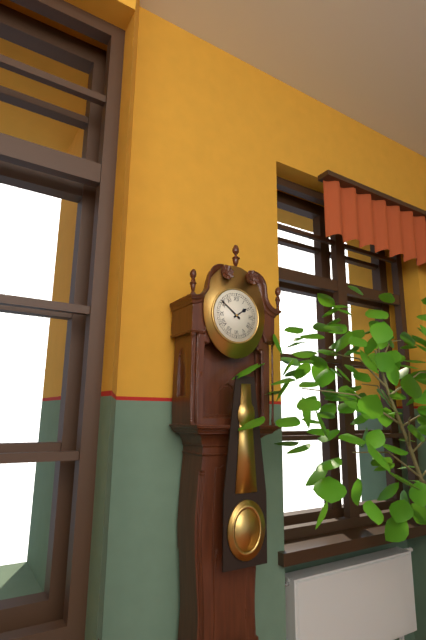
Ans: 1:51
